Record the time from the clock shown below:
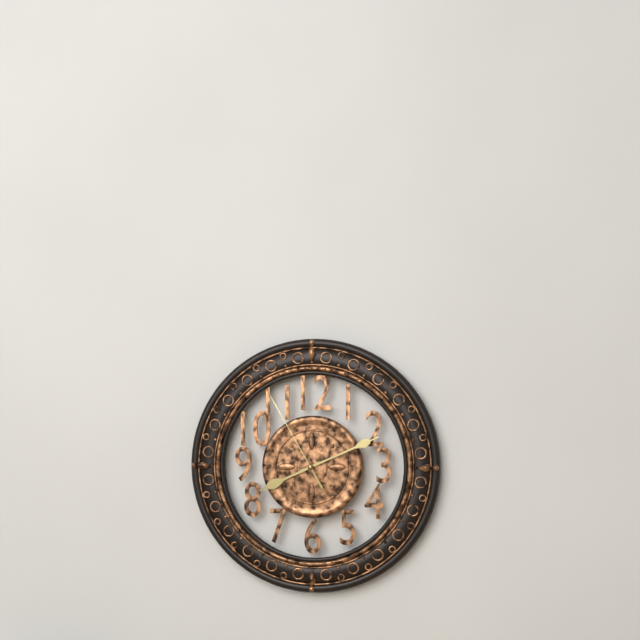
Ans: 8:11:55
